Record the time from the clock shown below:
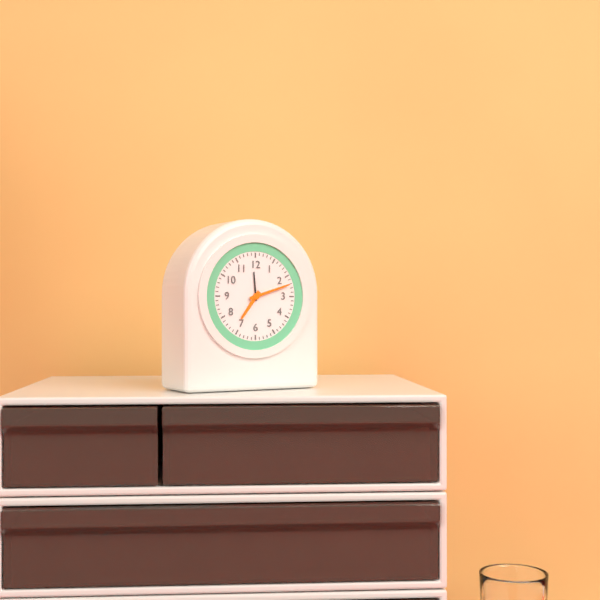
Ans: 7:12
